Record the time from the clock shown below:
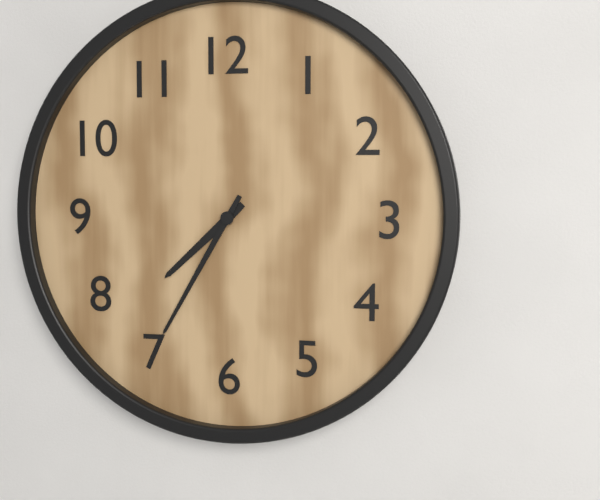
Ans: 7:35
